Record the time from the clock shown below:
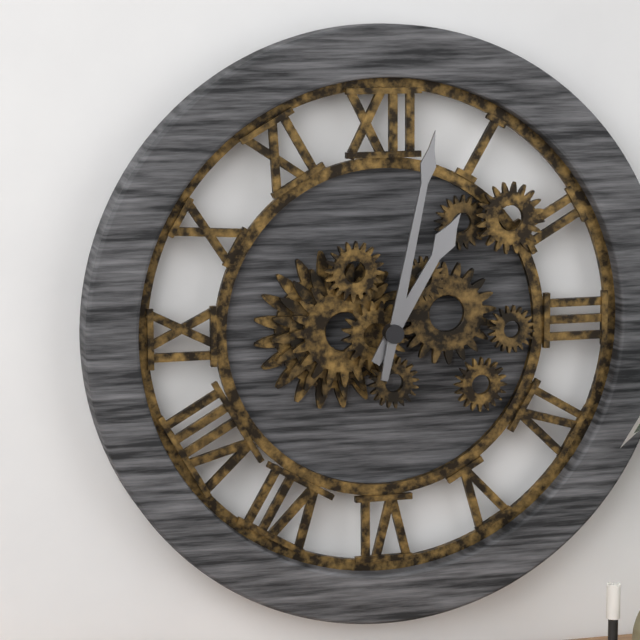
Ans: 1:02
